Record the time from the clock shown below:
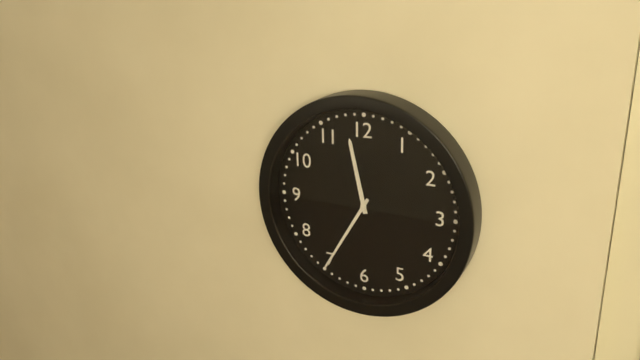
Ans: 11:35
